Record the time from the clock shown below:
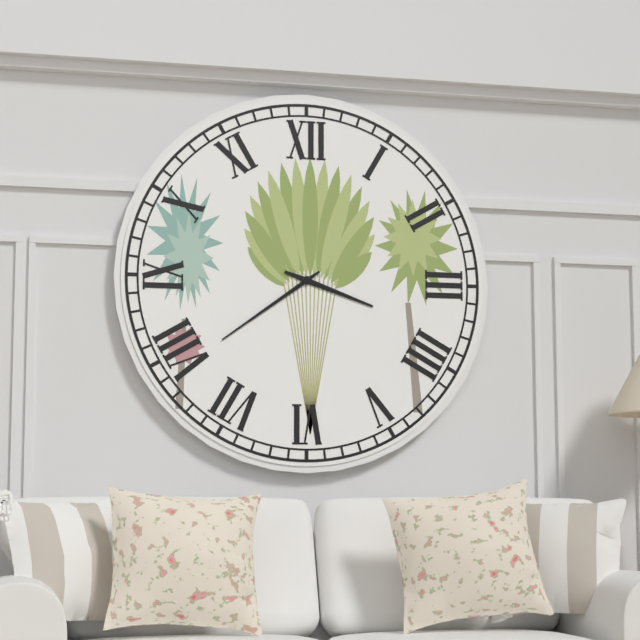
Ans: 3:39
